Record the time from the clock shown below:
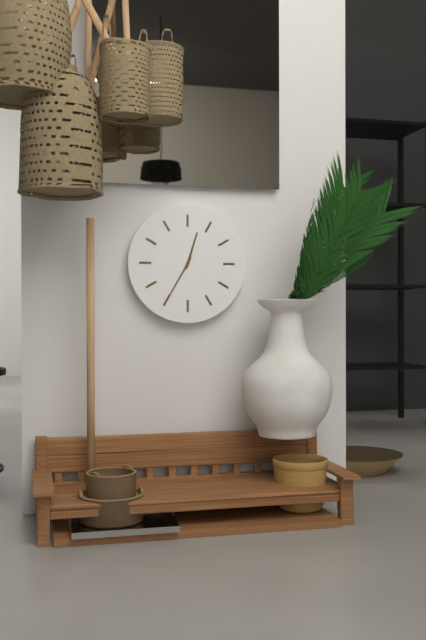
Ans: 12:35
